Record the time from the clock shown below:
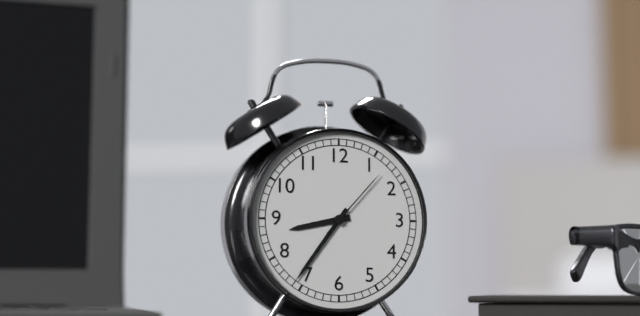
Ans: 8:36:07
